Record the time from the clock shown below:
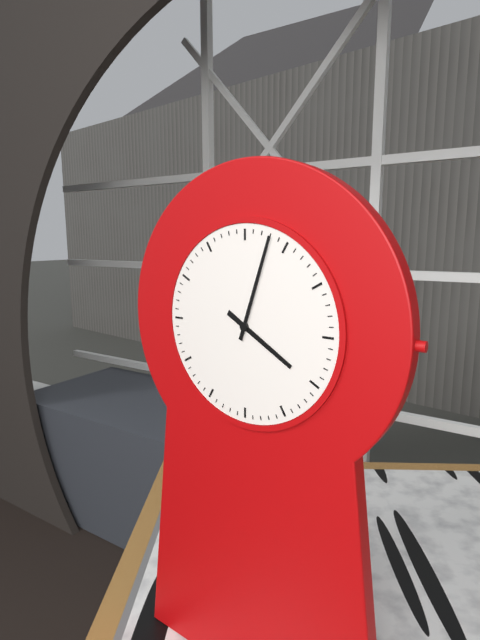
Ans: 4:03
